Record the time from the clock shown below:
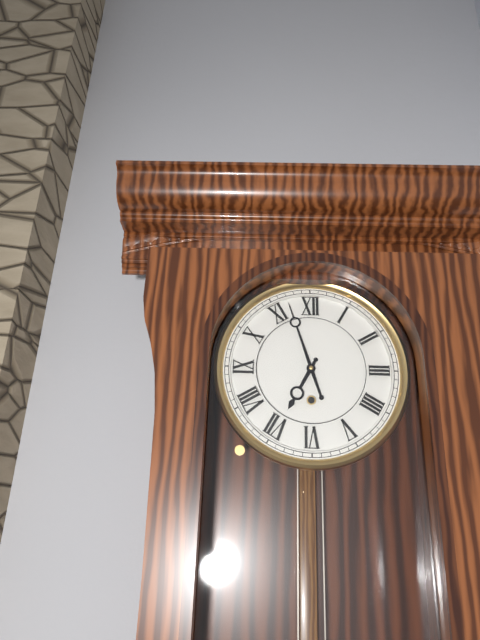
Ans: 6:57
